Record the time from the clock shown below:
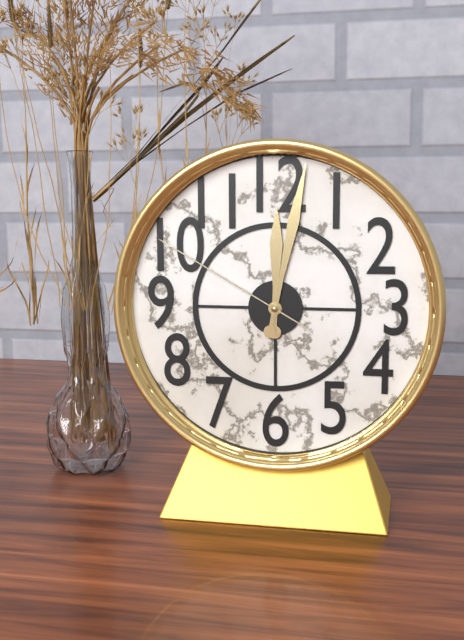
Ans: 12:02:50
